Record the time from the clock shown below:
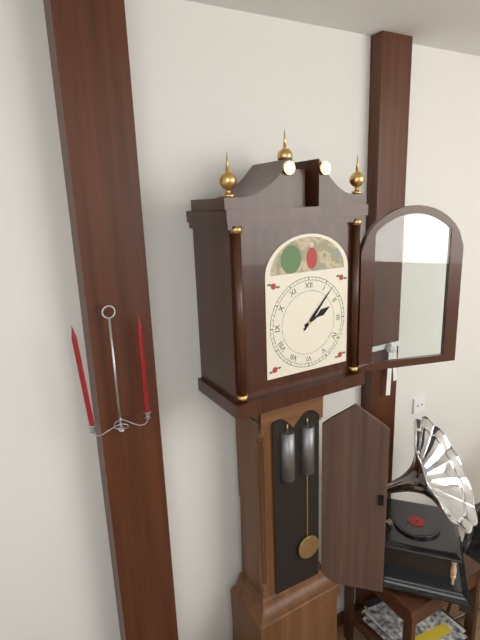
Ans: 2:07
